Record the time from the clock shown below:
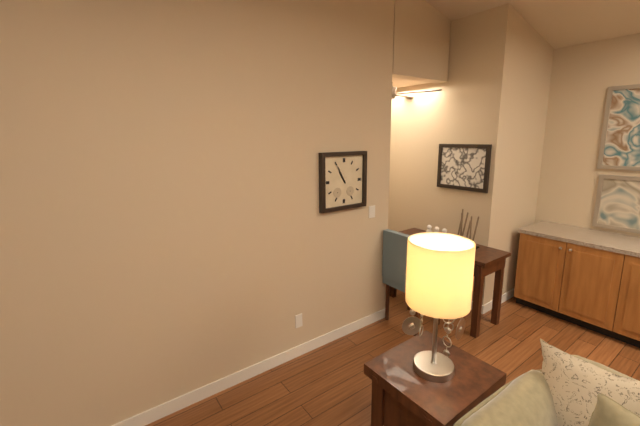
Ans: 10:55
